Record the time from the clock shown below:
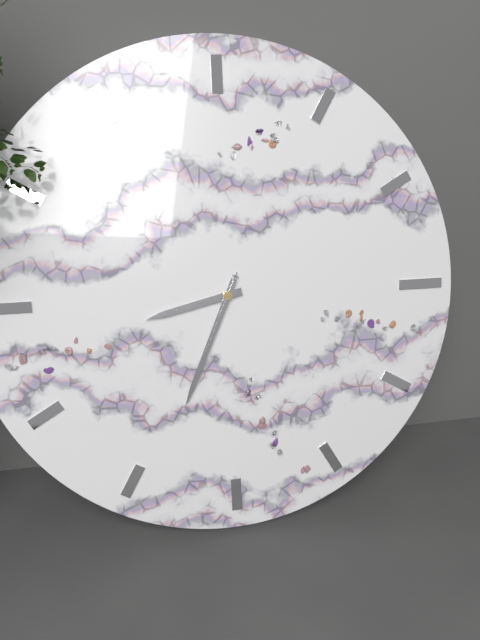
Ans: 8:34:34
